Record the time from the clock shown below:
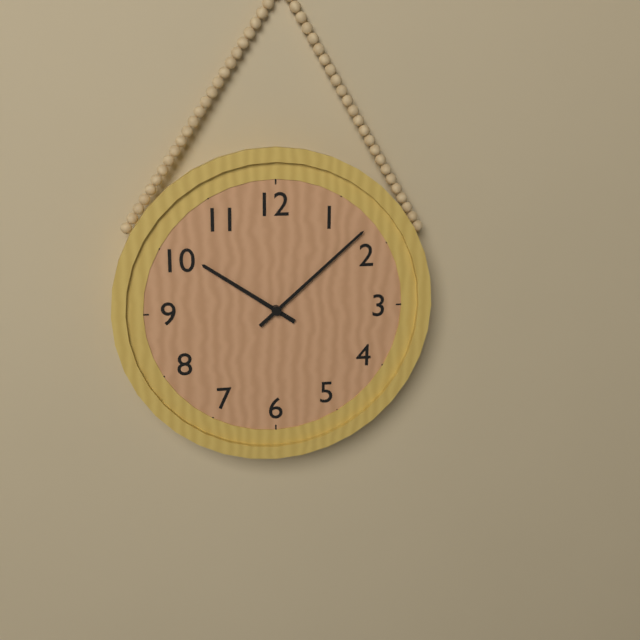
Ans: 10:08
